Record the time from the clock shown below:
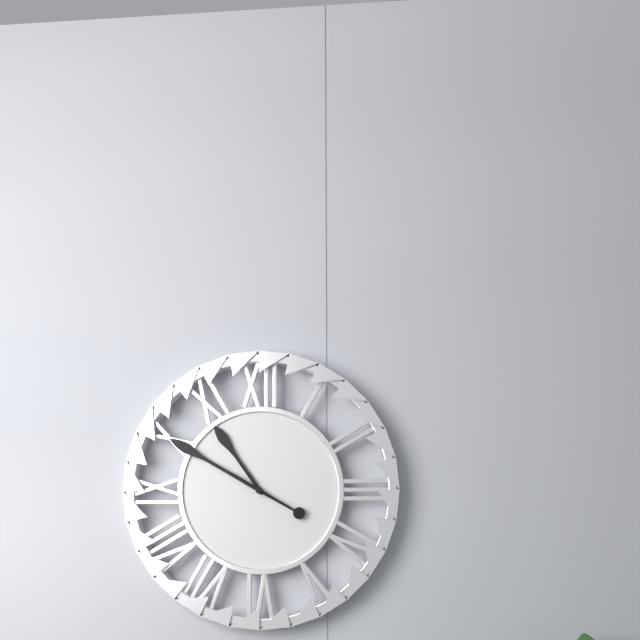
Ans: 10:50
